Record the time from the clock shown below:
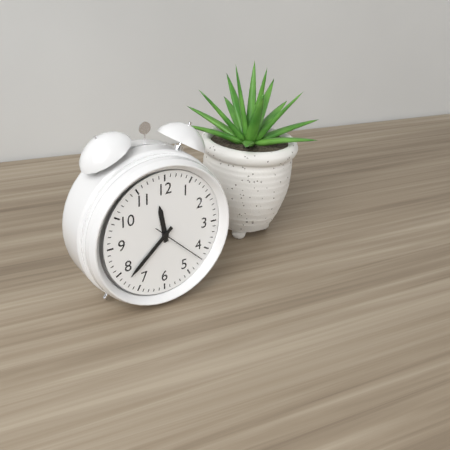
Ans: 11:38:22
